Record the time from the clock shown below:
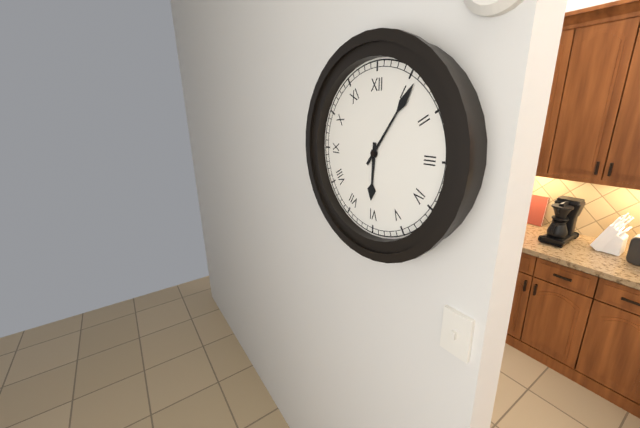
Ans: 6:06
